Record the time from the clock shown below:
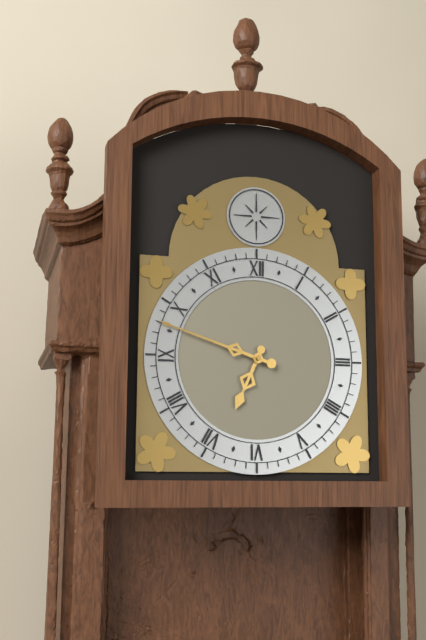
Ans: 6:48
